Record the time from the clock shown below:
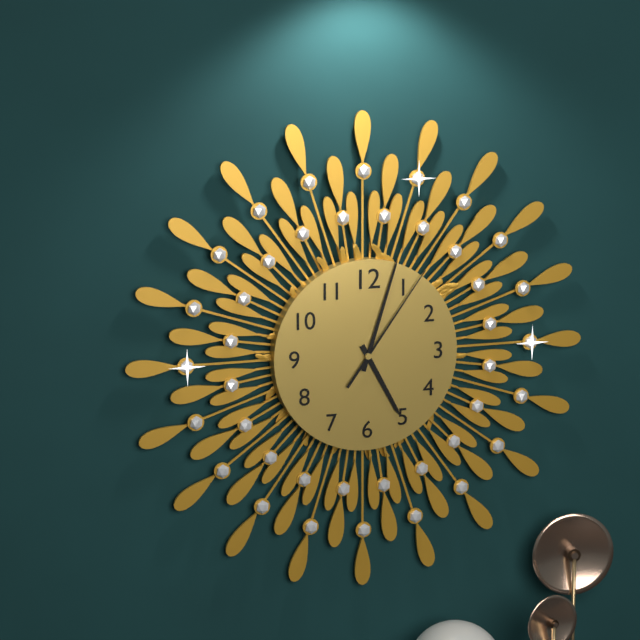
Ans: 5:03:06
